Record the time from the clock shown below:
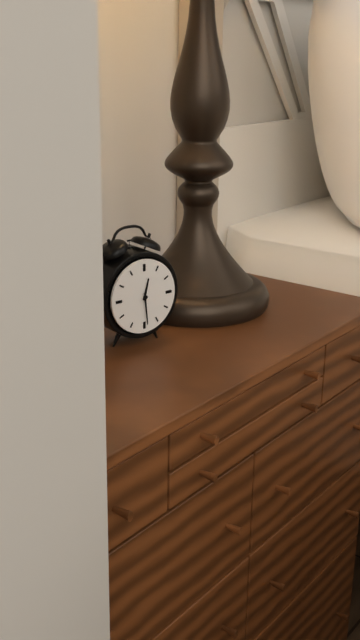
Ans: 12:29
